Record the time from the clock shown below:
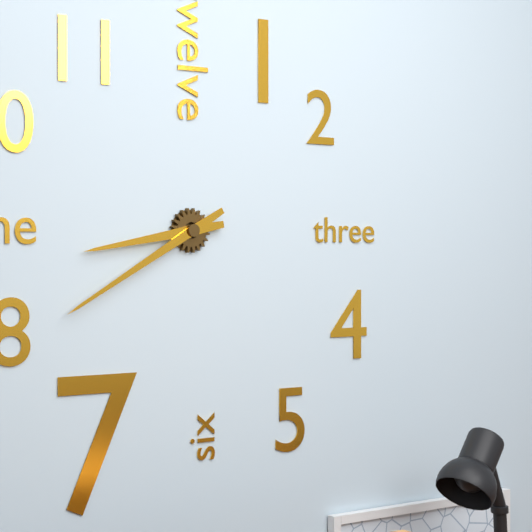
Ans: 8:40
